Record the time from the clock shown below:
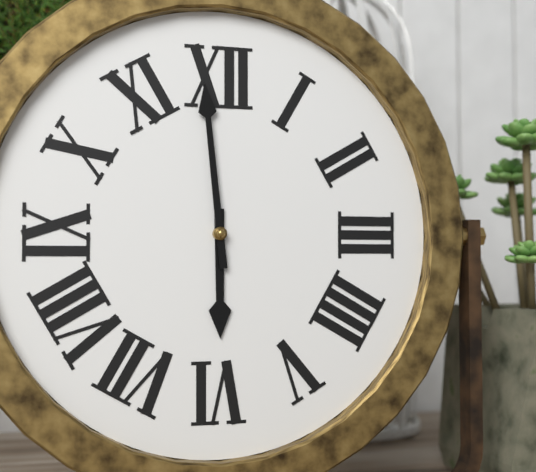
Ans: 5:59
